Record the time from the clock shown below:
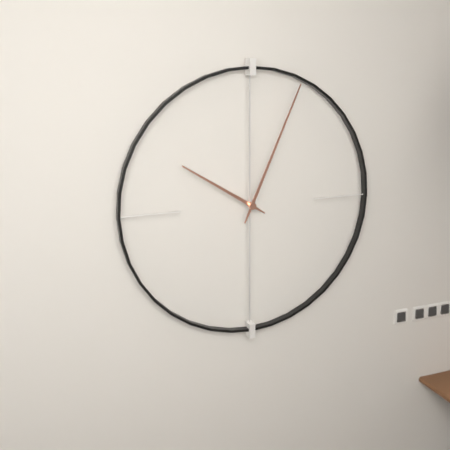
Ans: 10:04
